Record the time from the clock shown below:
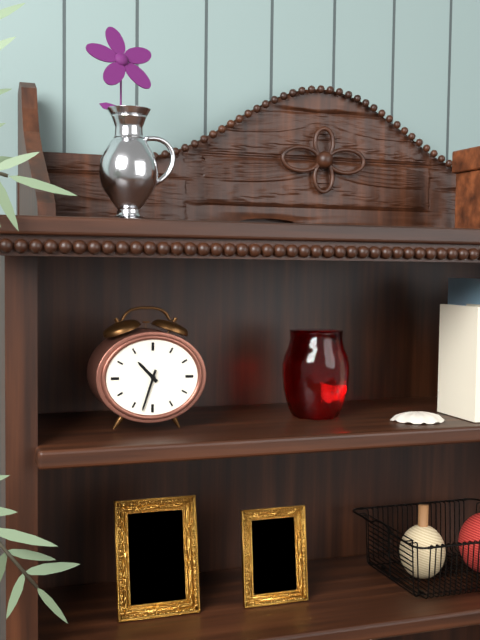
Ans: 10:33
